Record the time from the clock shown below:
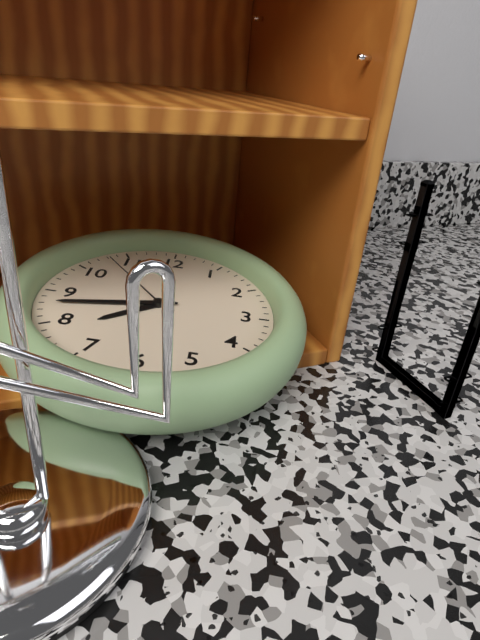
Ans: 7:43:53
